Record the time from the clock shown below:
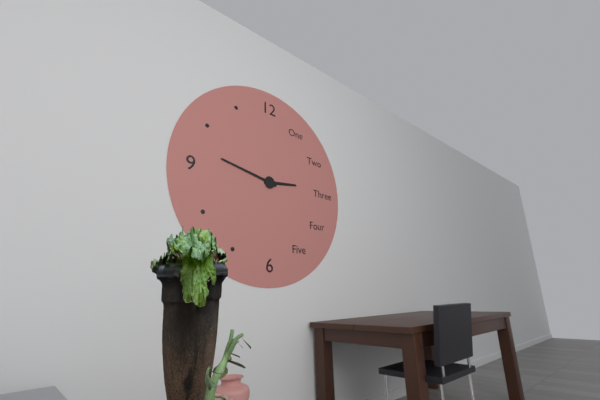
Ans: 2:47
